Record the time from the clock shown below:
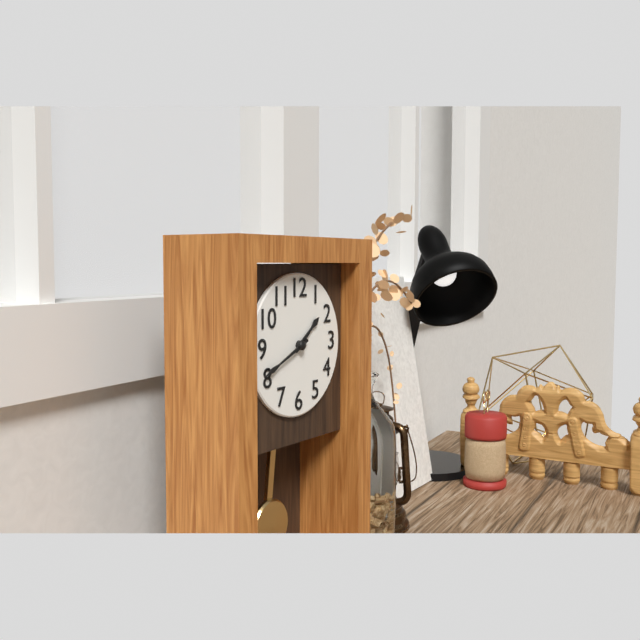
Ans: 1:41
